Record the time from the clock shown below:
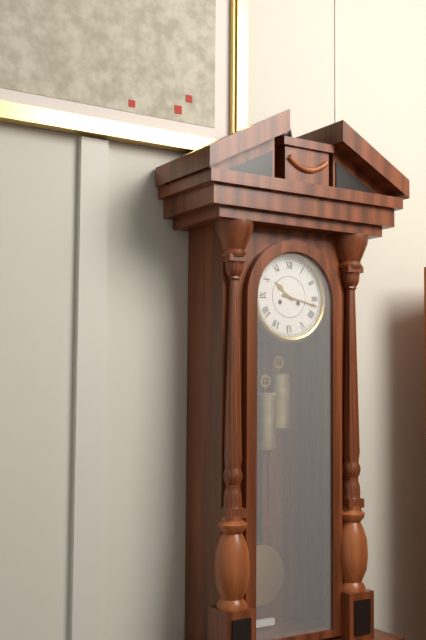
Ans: 10:17
